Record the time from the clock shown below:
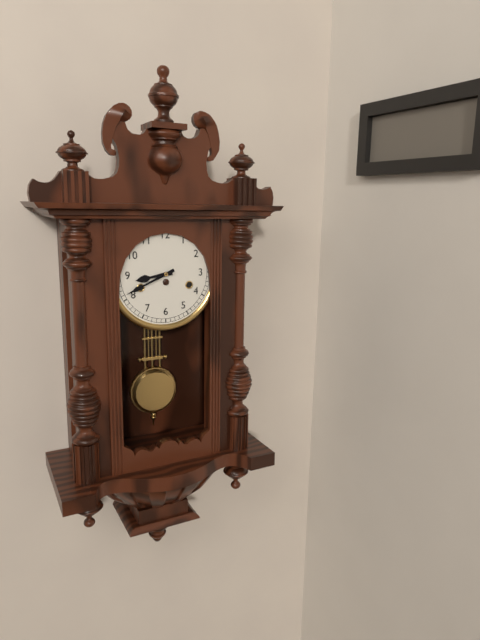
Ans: 8:41
